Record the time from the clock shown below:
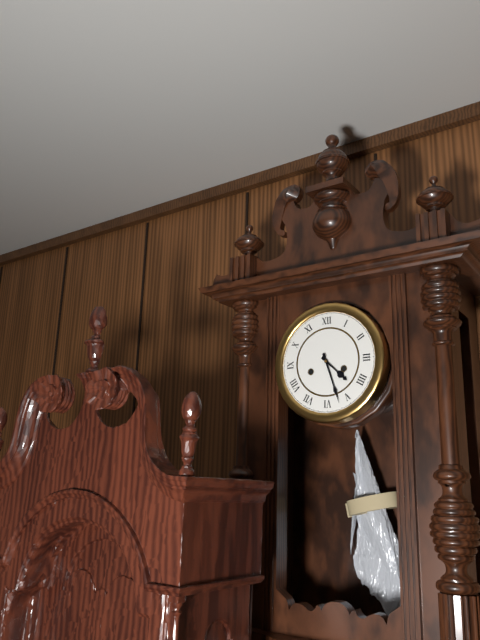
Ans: 4:27
